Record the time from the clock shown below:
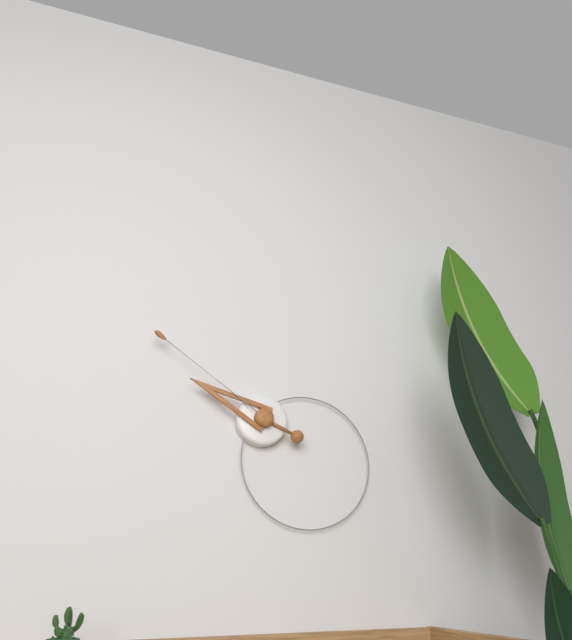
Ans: 9:51
